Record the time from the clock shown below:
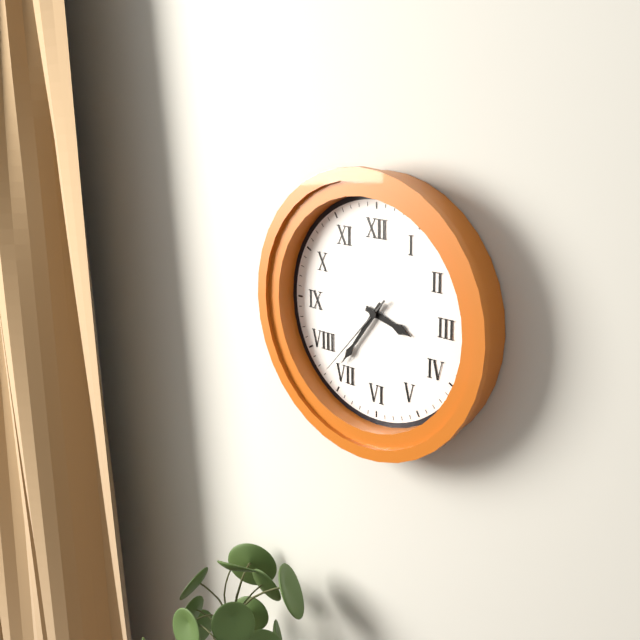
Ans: 3:36:37
